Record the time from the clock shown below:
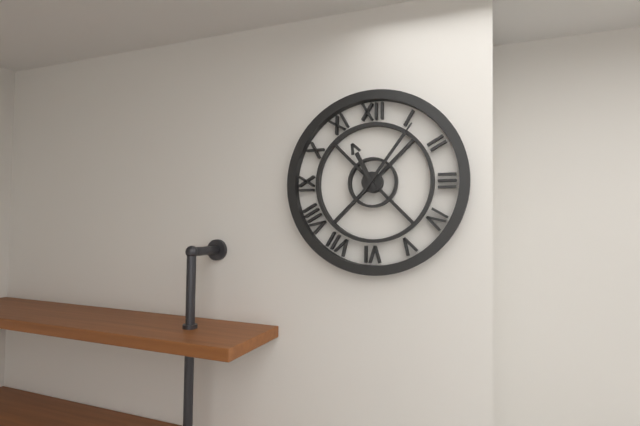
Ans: 11:06
